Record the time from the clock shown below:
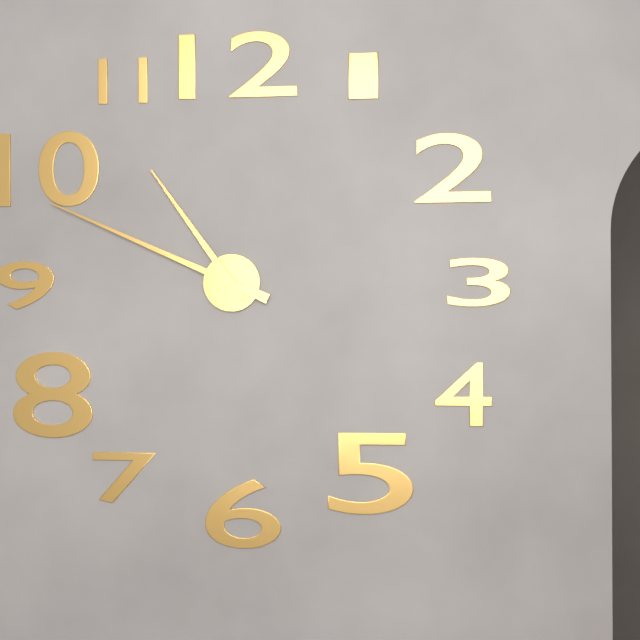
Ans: 10:49
